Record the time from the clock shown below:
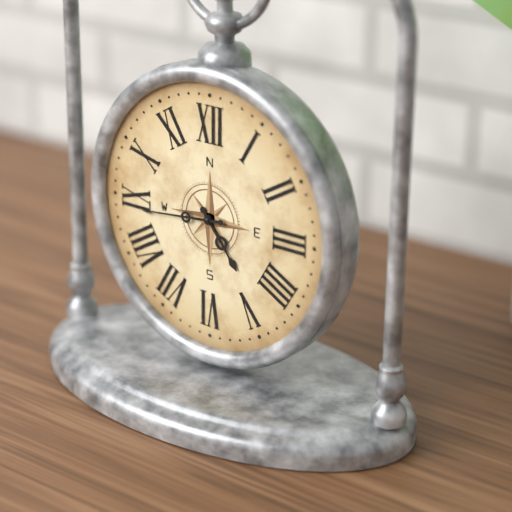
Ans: 4:44
